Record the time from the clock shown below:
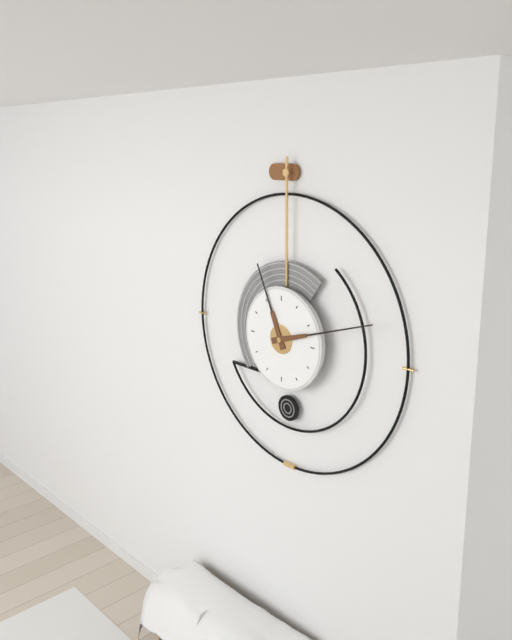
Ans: 11:12
